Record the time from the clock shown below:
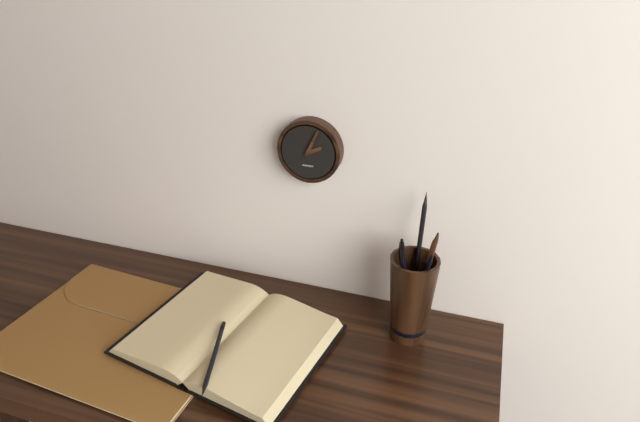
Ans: 2:04
